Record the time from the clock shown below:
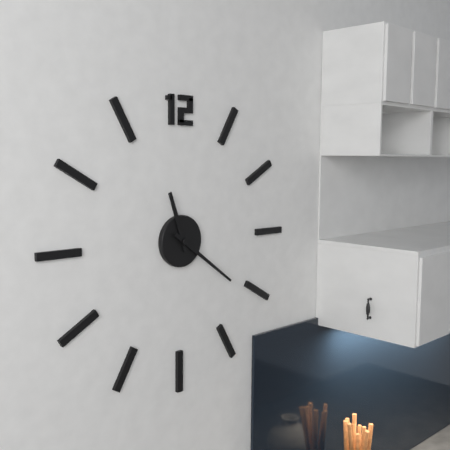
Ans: 11:21
